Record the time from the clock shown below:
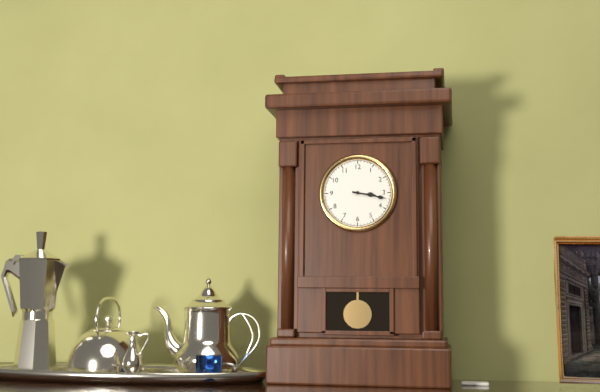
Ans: 3:17
